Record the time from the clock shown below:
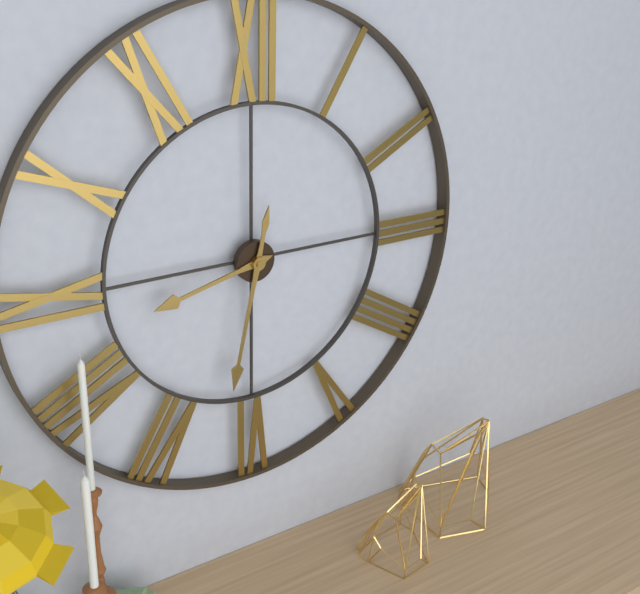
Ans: 8:32
